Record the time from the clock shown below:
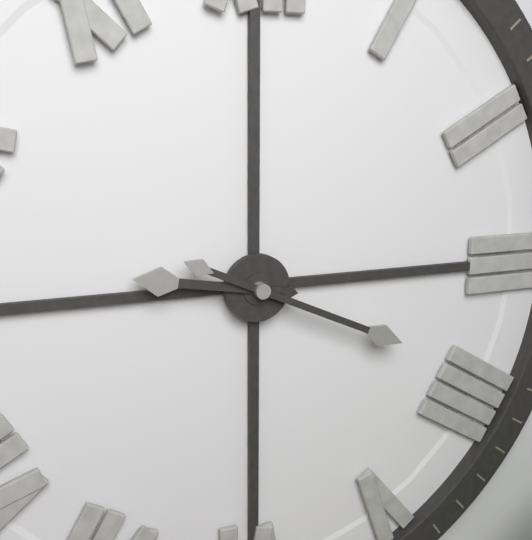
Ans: 9:19
